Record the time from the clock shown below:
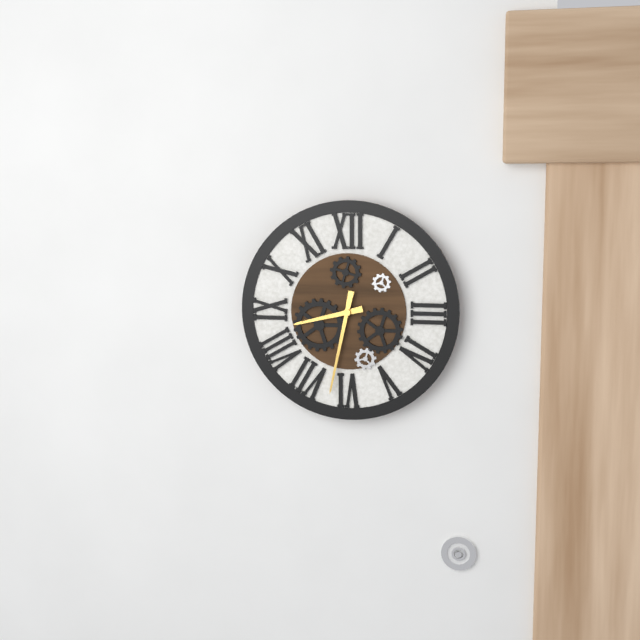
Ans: 8:32
